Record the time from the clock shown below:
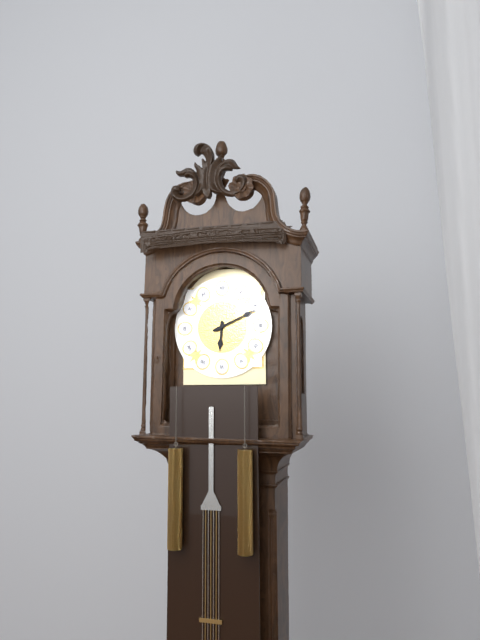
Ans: 6:11
